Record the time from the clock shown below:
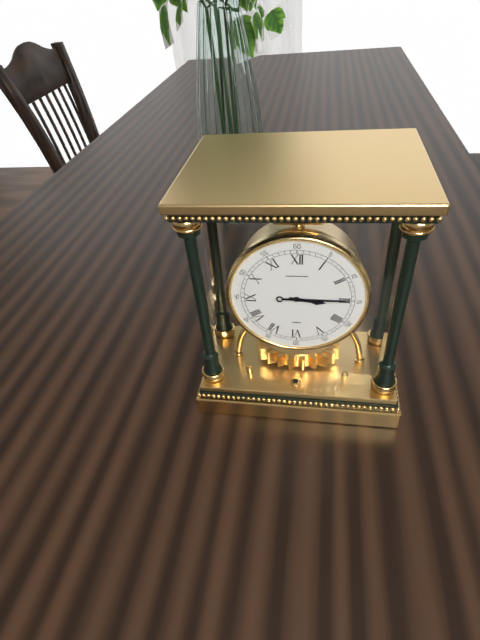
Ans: 3:15
